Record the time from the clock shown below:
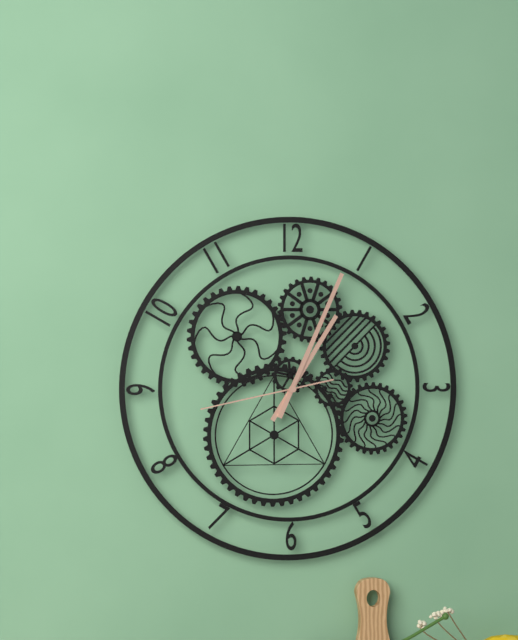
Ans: 1:04:43
